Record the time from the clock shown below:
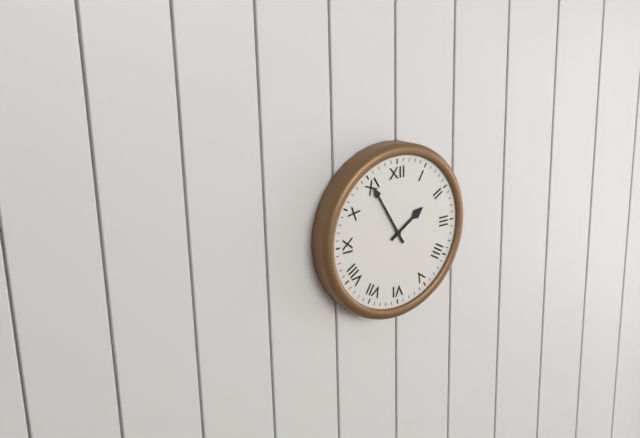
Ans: 1:55
